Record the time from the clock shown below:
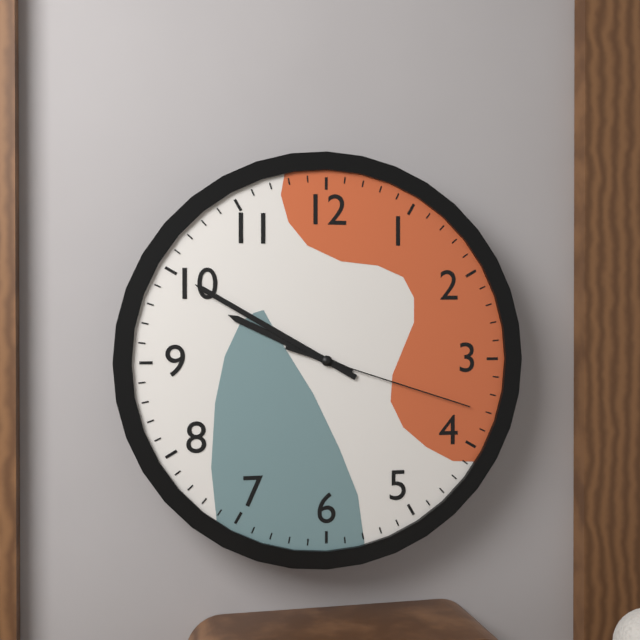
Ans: 9:50:18
